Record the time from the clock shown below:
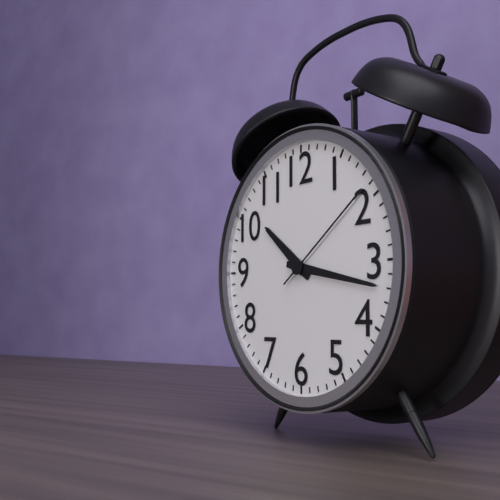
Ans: 10:17:09
